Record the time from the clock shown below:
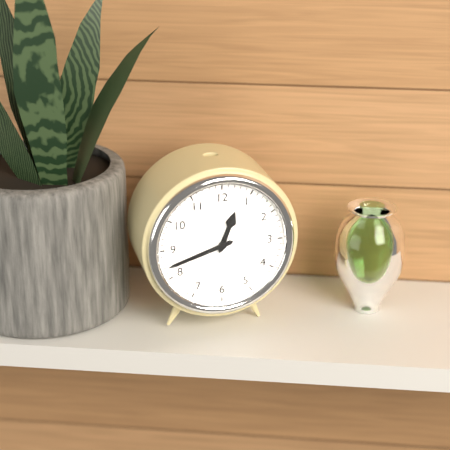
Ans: 12:42
